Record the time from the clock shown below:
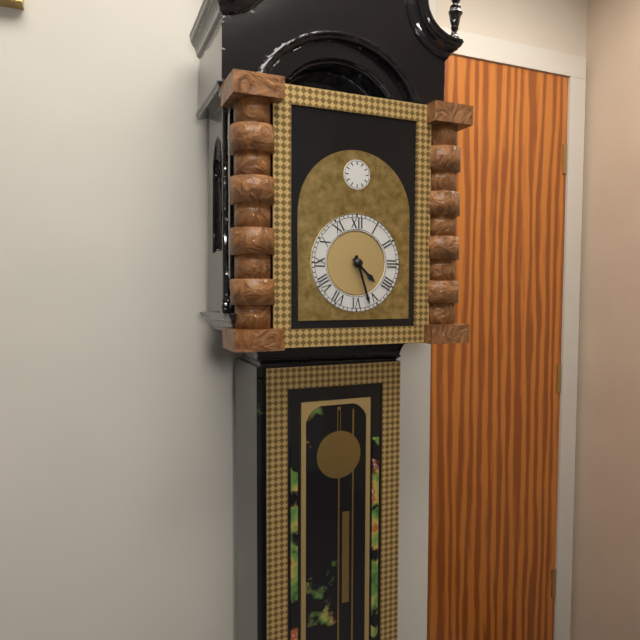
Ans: 4:27
